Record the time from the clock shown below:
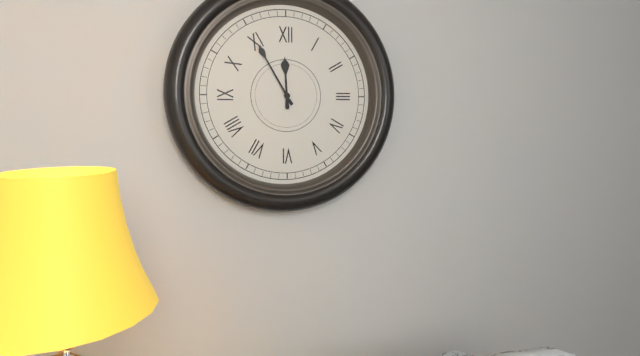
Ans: 11:55
